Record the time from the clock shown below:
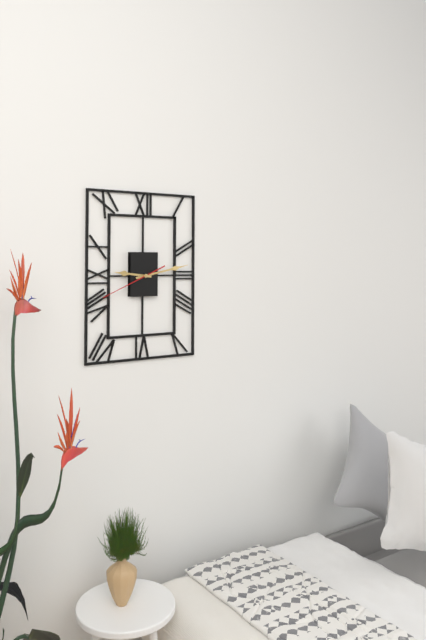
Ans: 9:13:41
